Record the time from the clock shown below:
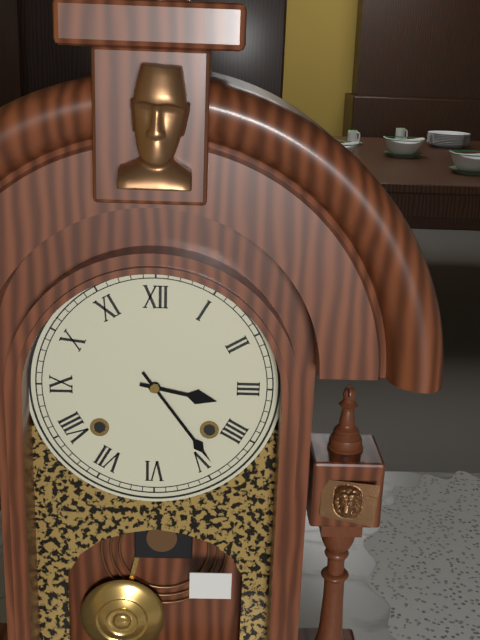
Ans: 3:24
